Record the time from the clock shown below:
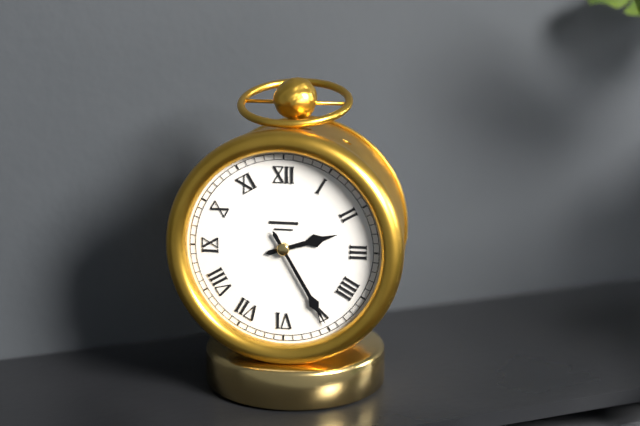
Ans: 2:25
